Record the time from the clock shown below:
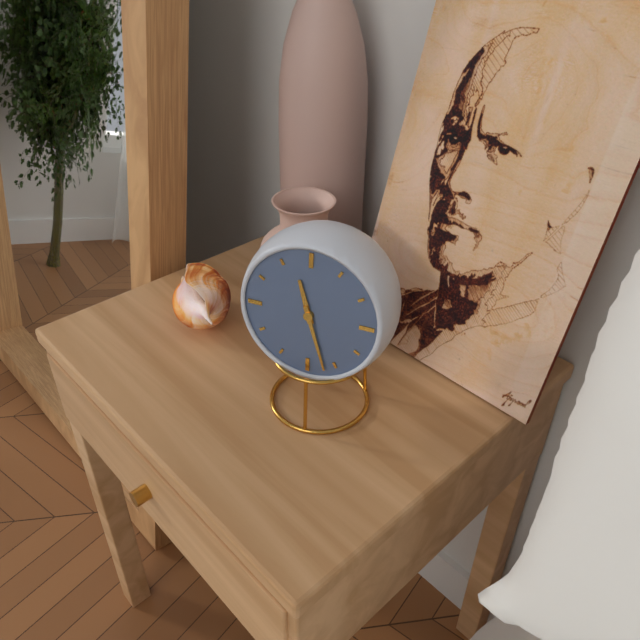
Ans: 11:27
